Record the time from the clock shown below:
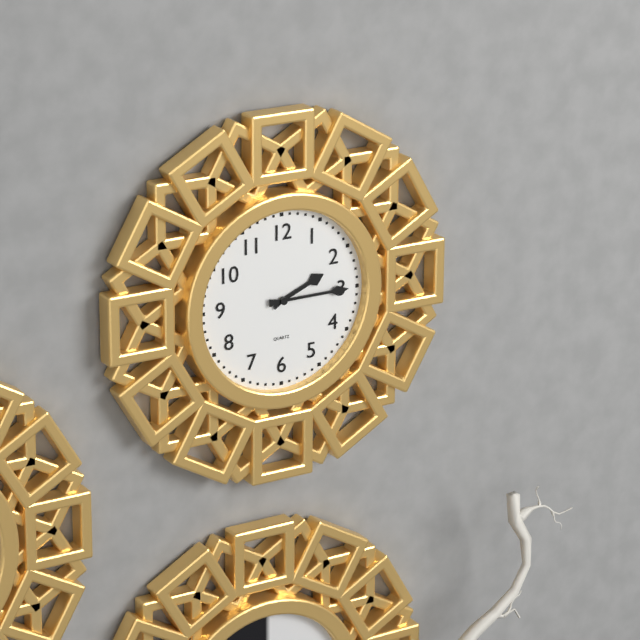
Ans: 2:15
